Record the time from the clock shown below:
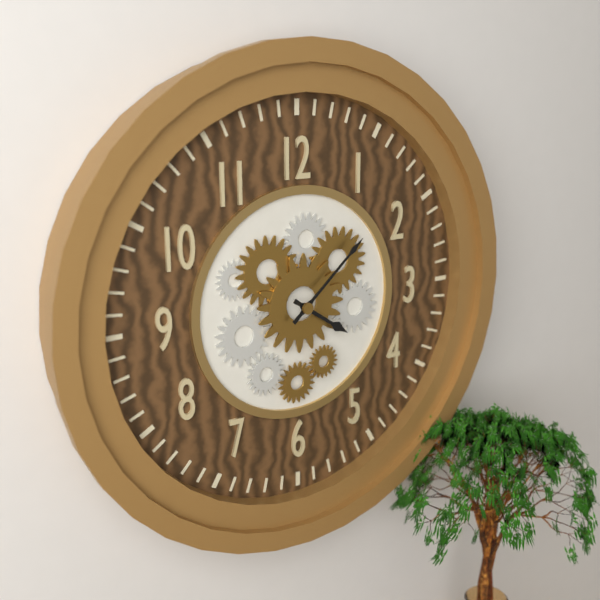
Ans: 4:08
